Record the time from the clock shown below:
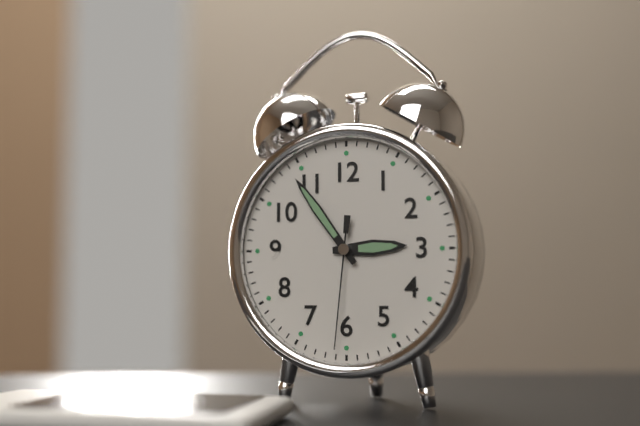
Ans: 2:54:31
